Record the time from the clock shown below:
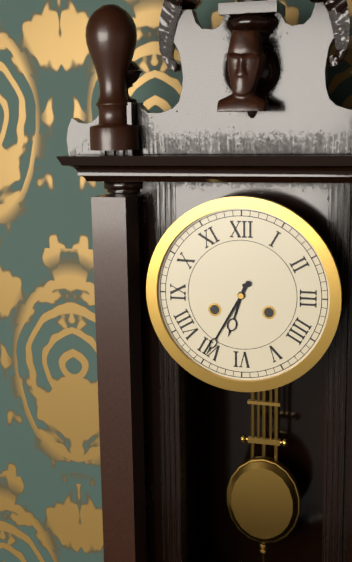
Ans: 6:35
